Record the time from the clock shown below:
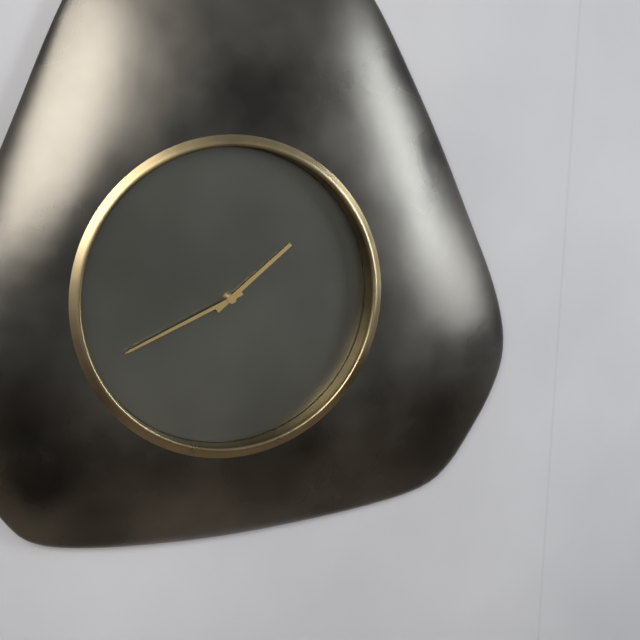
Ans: 1:41
